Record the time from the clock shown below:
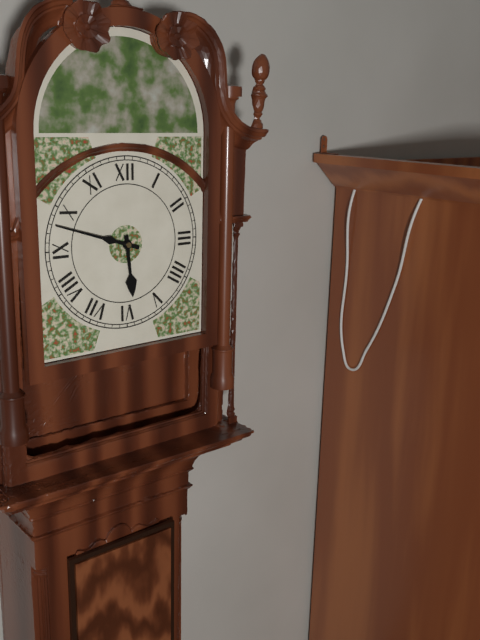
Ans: 5:48
